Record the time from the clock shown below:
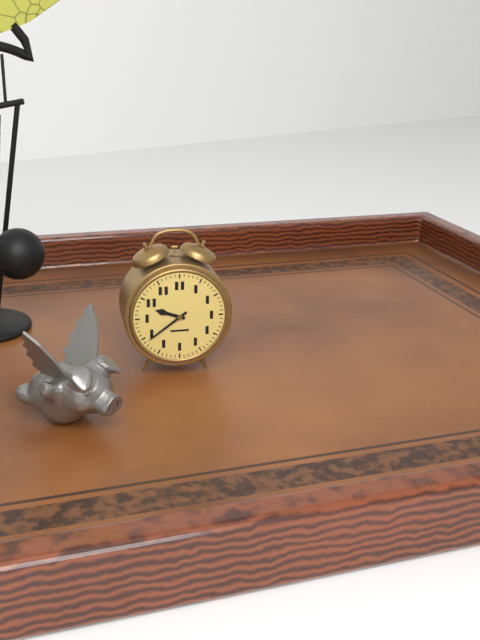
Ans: 9:39
